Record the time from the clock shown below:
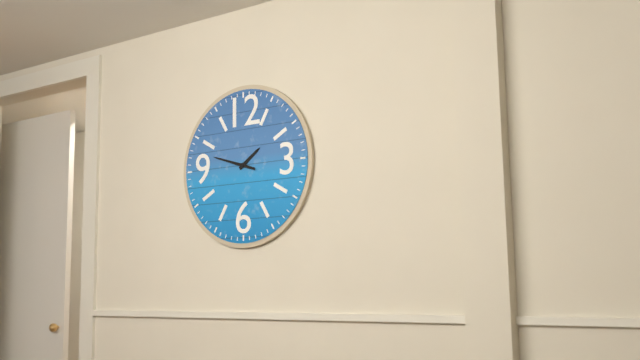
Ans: 1:48
